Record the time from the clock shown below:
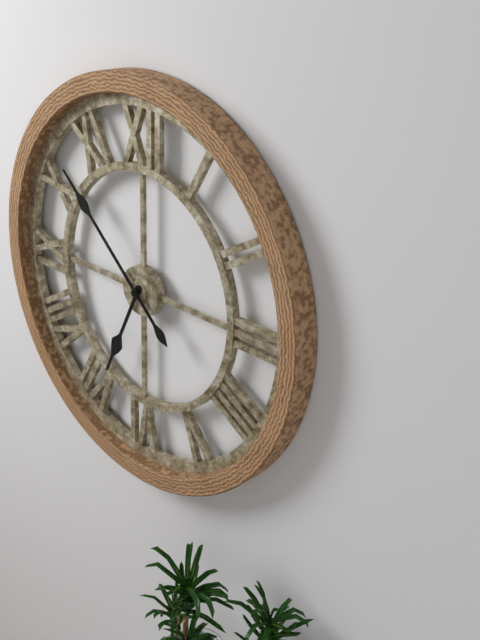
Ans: 6:52
